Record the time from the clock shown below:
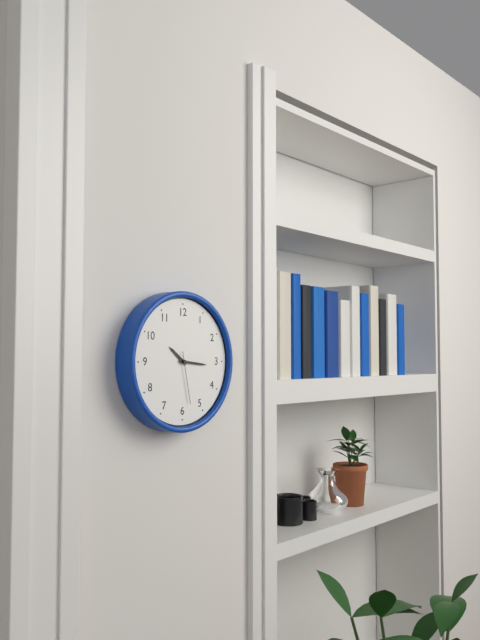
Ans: 10:16:28
